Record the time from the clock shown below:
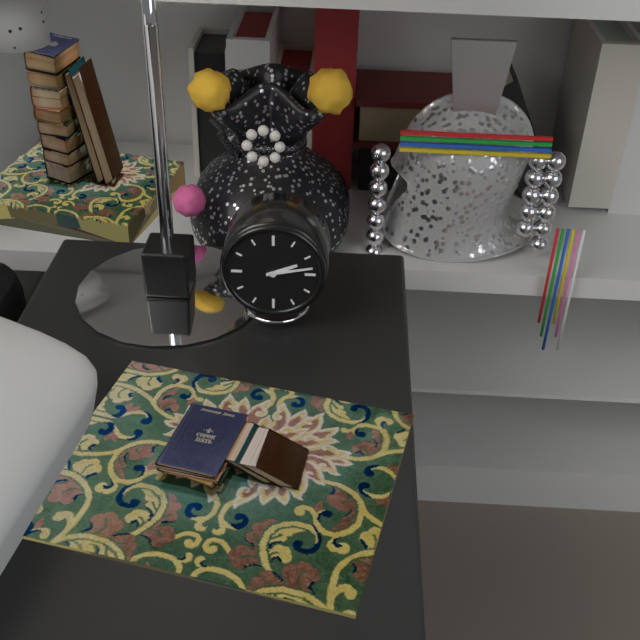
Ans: 2:13
